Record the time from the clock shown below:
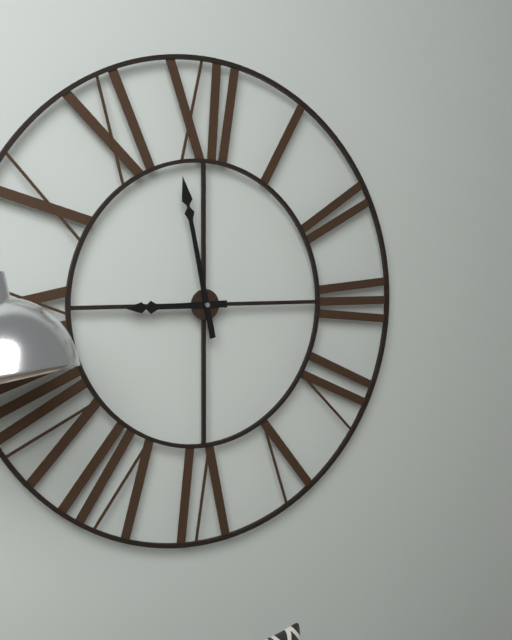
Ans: 8:58
